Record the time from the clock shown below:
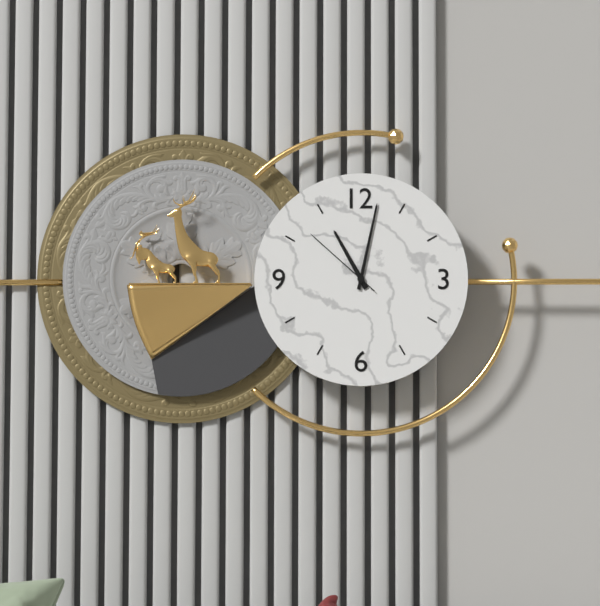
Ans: 11:02:52
